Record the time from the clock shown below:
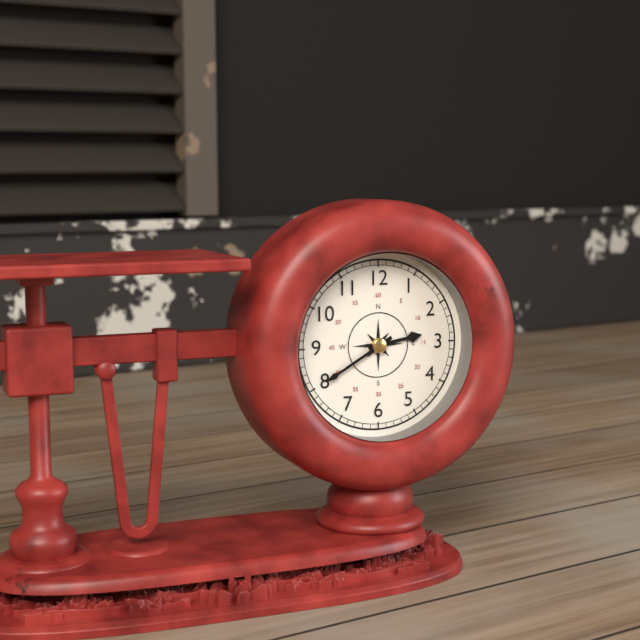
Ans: 2:40
